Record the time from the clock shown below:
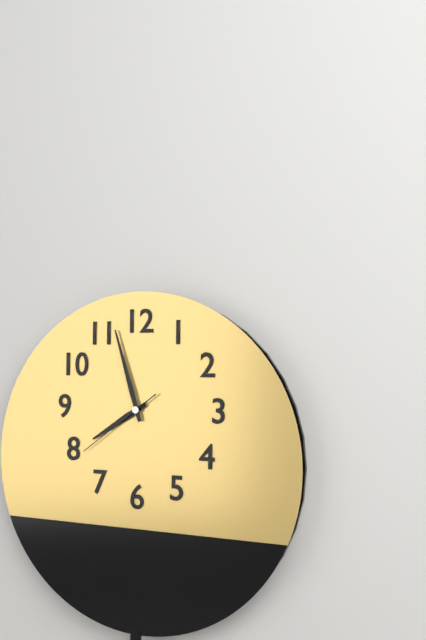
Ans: 7:57:39
